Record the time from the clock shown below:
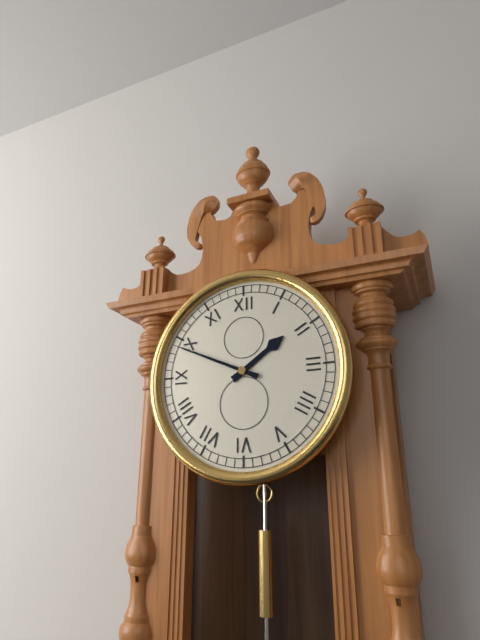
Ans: 1:49
